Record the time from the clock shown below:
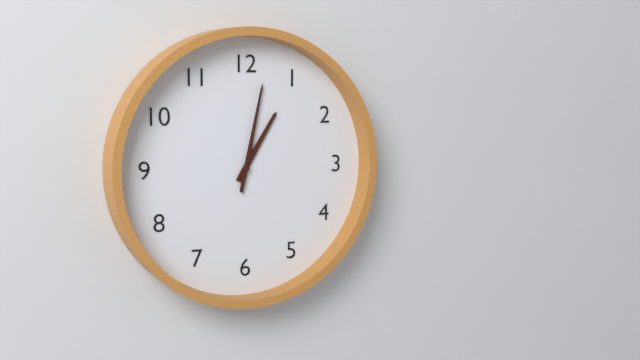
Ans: 1:02
